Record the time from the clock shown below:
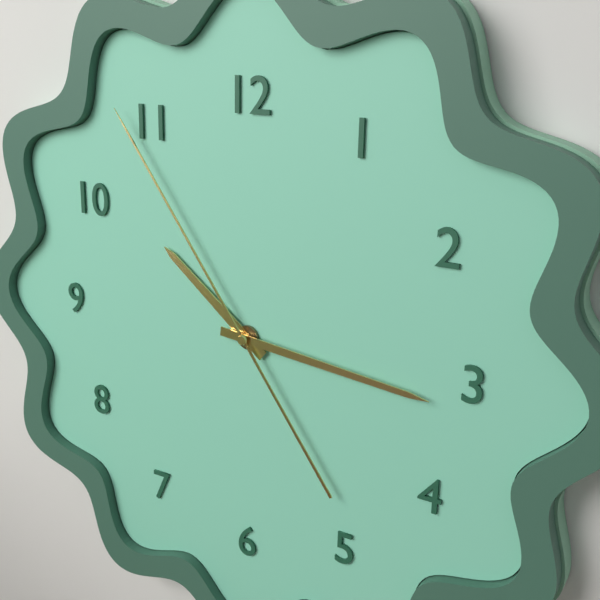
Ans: 10:16:54
